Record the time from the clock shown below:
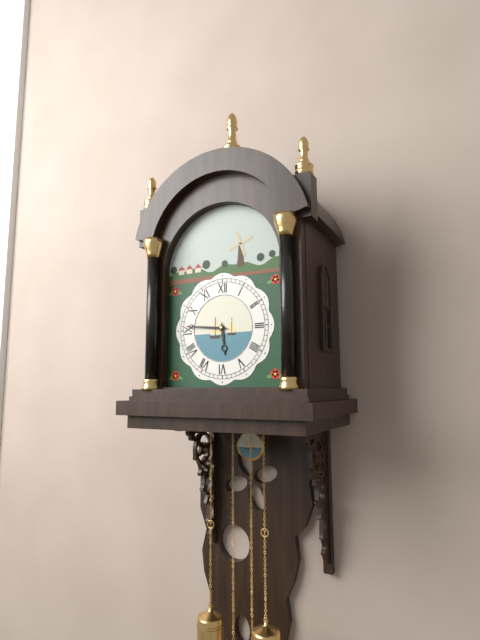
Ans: 5:46
